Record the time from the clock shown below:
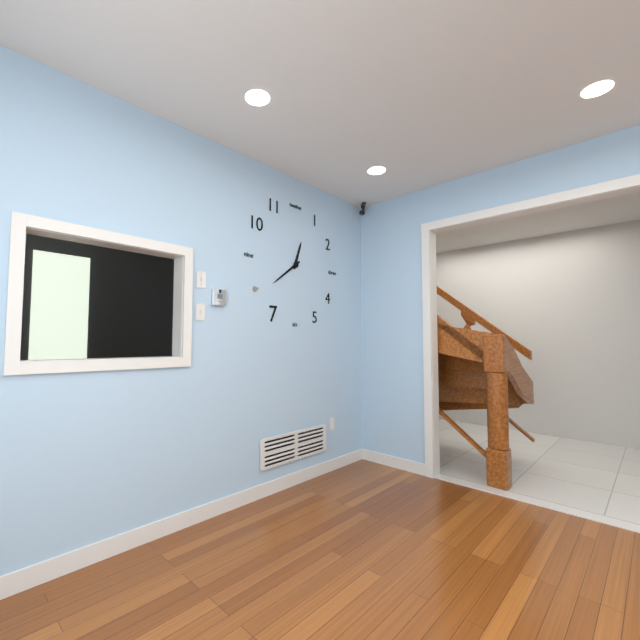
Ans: 12:39
